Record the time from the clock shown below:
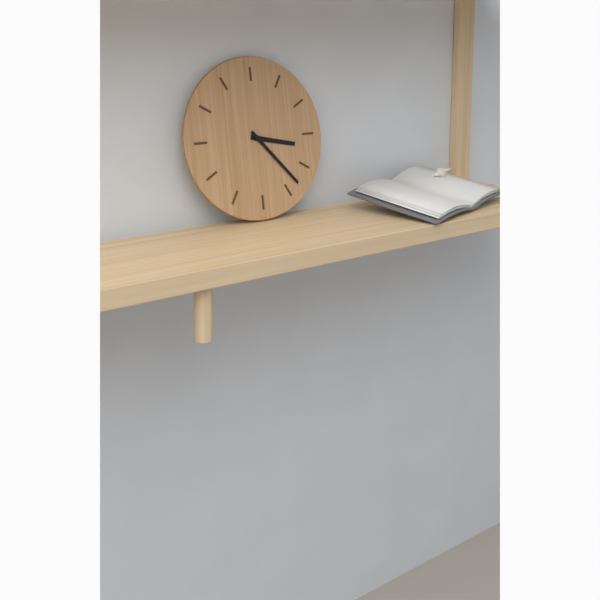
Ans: 3:23
